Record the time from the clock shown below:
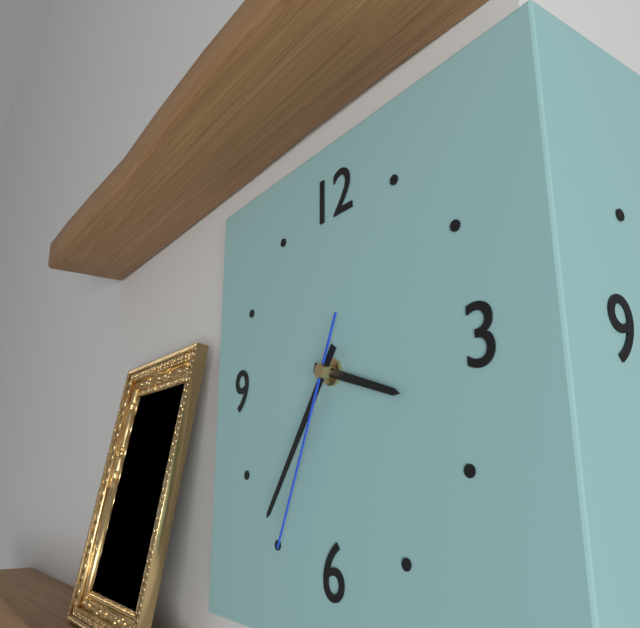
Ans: 3:36:34
